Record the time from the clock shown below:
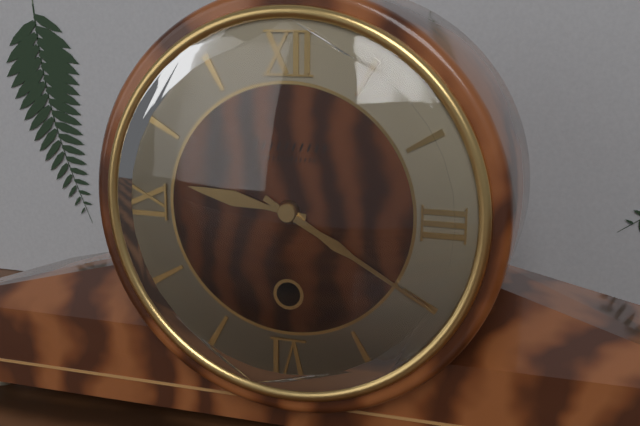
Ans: 9:20
